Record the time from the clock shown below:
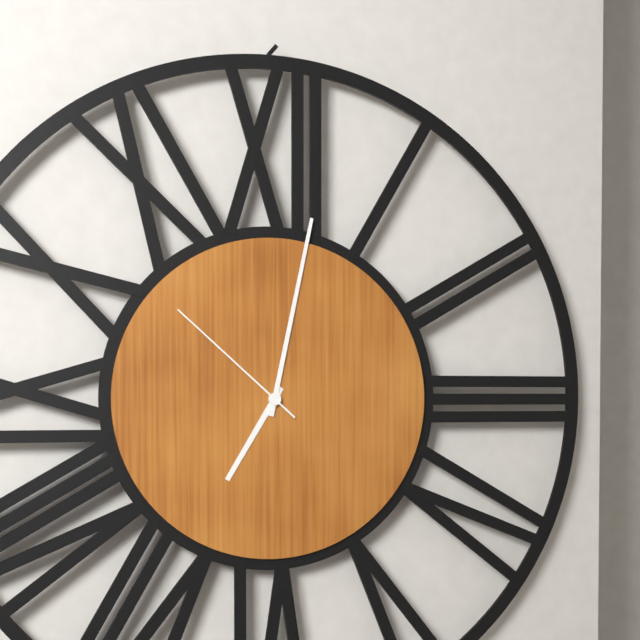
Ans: 7:02:52
